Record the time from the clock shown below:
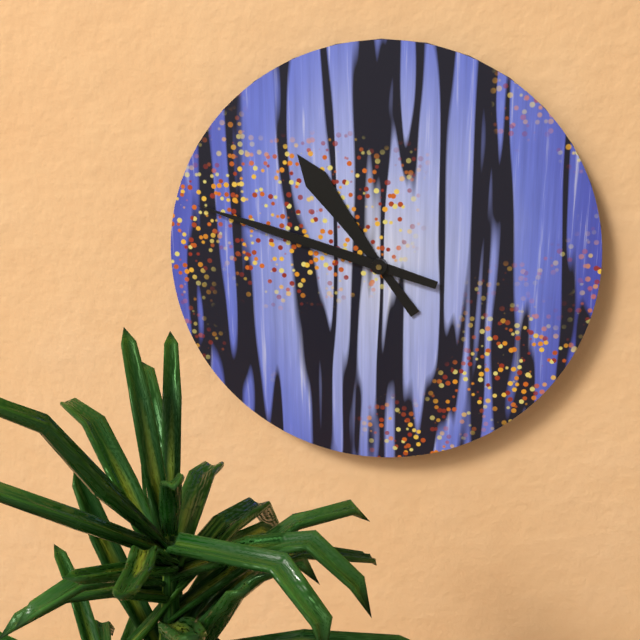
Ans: 10:48
